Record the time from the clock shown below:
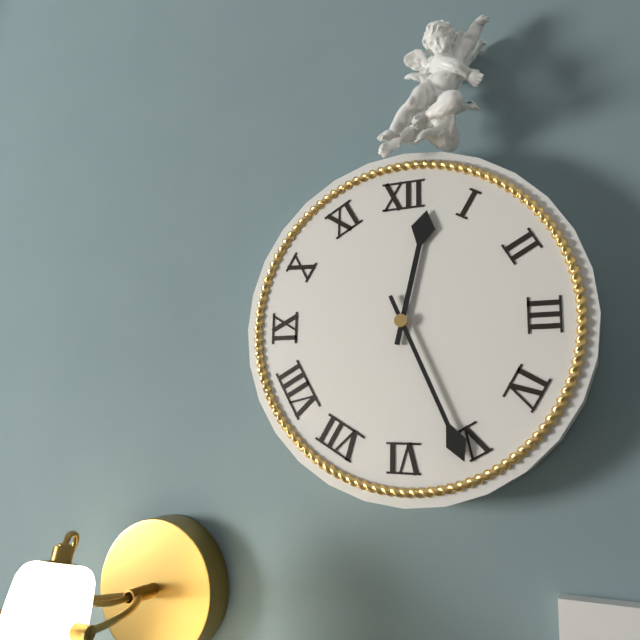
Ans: 12:26
